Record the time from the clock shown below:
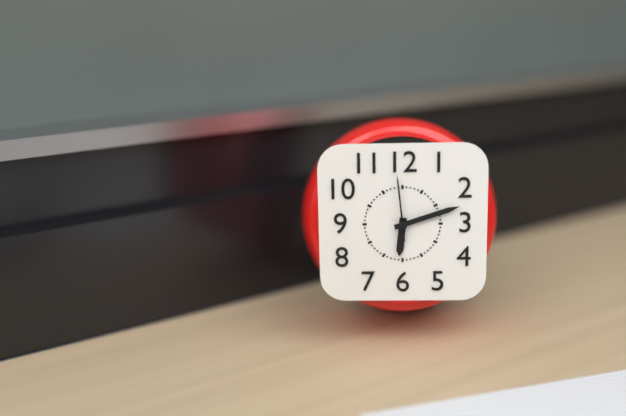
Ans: 6:12:59
